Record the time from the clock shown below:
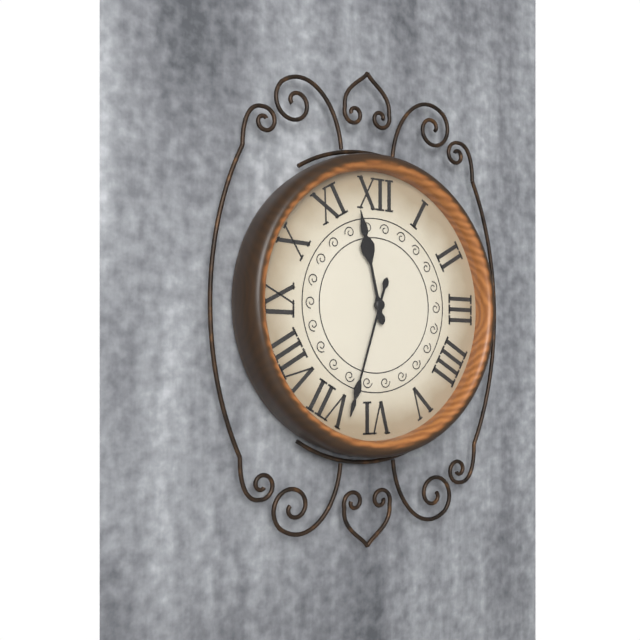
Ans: 11:33
